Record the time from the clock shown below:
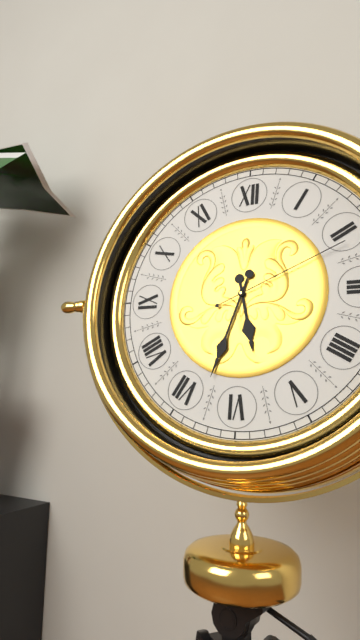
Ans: 5:33:11
